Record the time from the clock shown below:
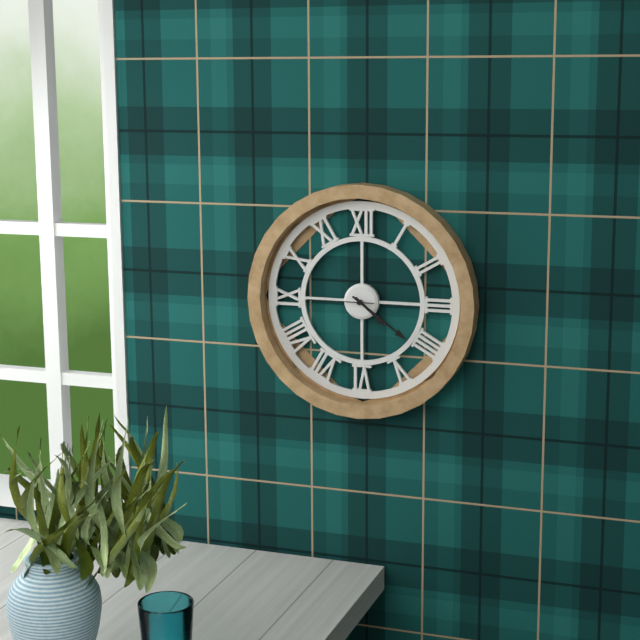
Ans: 4:21:45
